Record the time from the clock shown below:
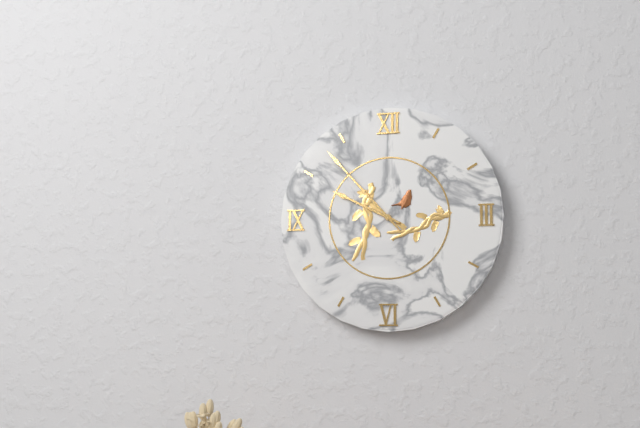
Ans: 9:53
